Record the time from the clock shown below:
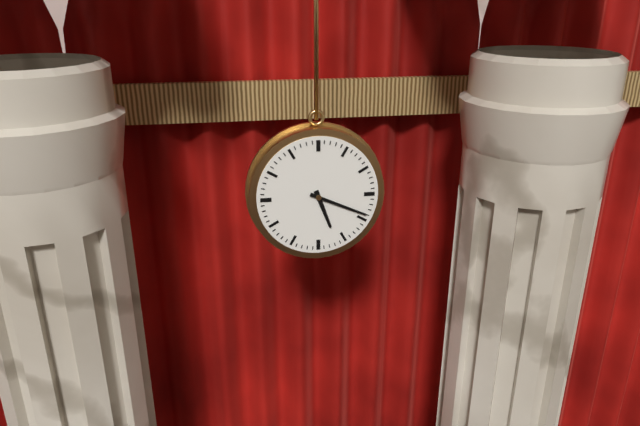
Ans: 5:19
